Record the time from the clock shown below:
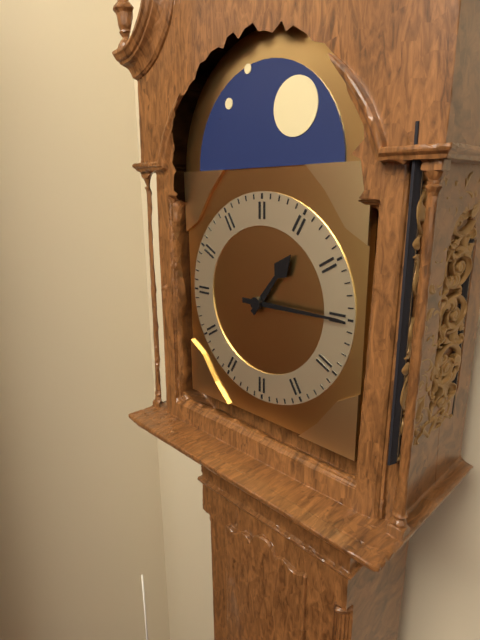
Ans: 1:15
